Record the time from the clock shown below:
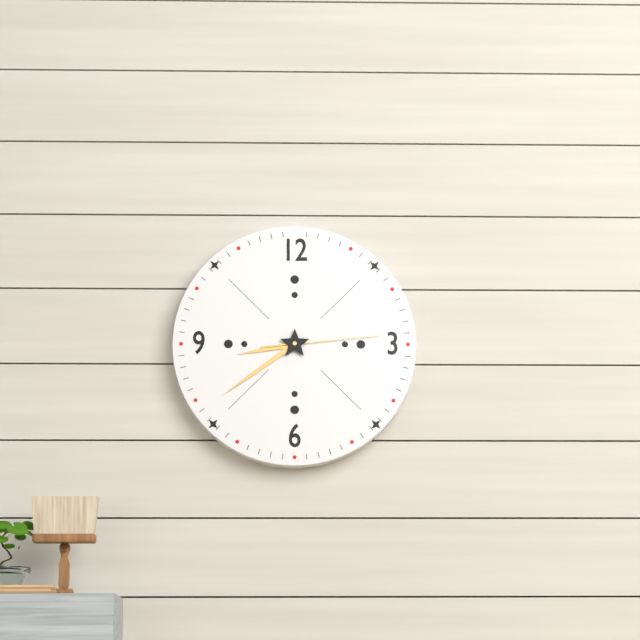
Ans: 8:39:14
